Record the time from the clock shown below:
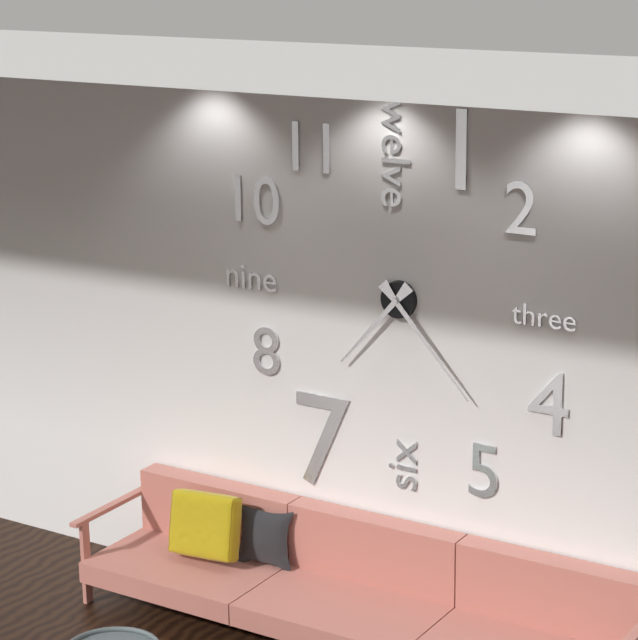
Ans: 7:23
